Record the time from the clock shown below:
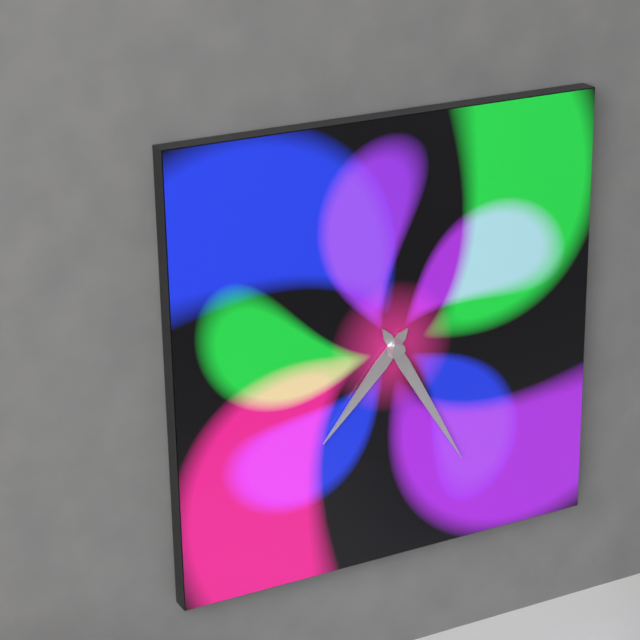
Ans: 7:25
